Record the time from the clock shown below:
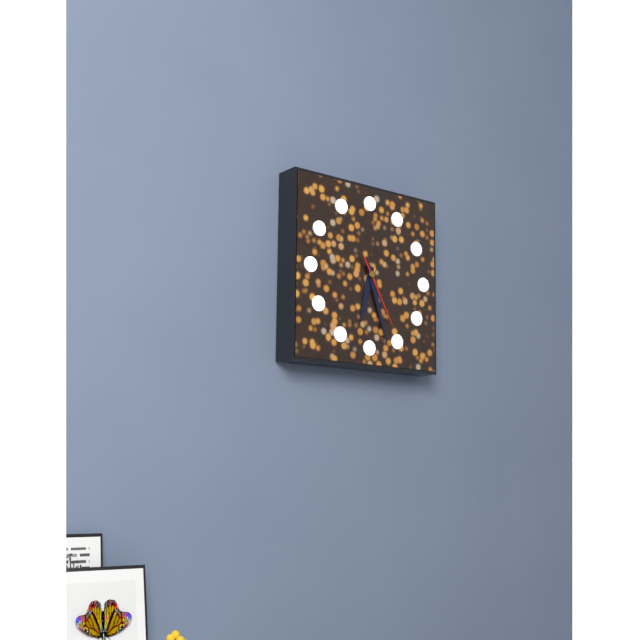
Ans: 6:27:25
